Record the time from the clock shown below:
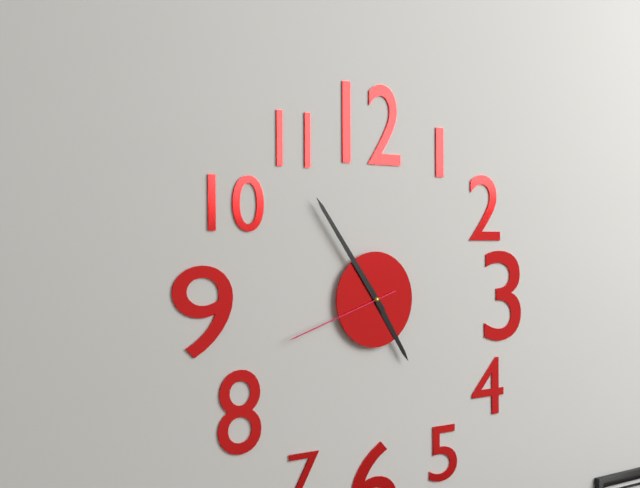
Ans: 4:54:42
